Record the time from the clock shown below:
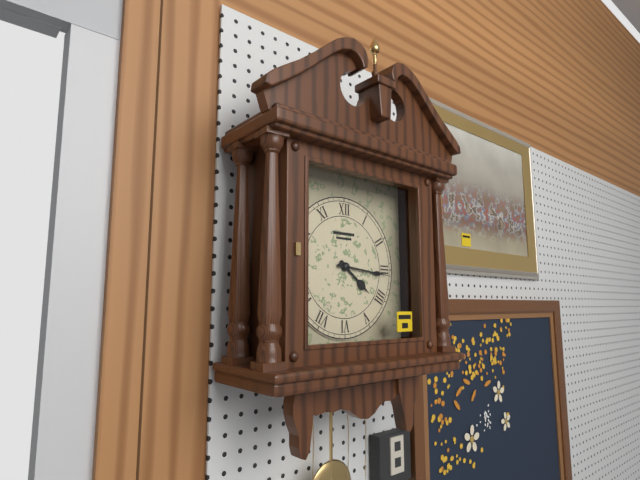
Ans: 4:16
